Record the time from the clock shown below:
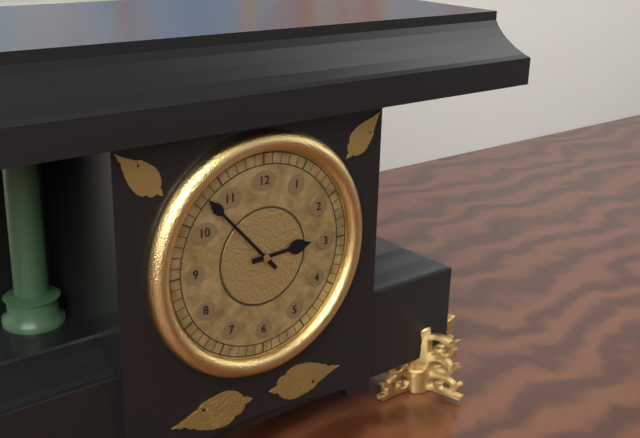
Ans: 2:53
